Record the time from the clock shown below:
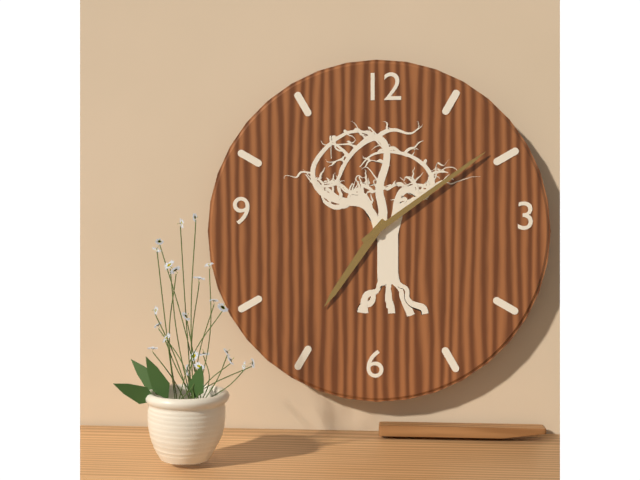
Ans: 7:09
